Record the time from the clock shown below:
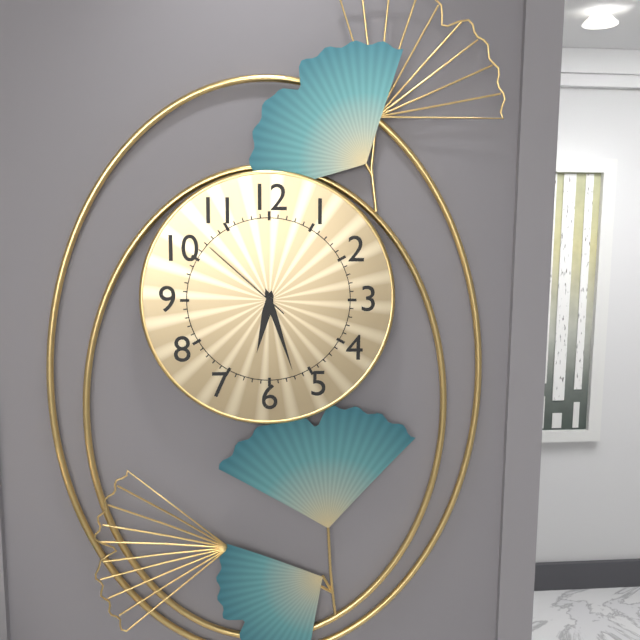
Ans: 6:27:52
